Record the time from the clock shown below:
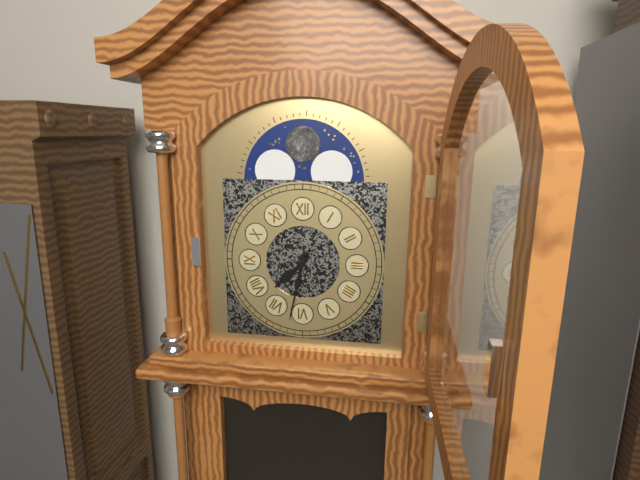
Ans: 7:32
